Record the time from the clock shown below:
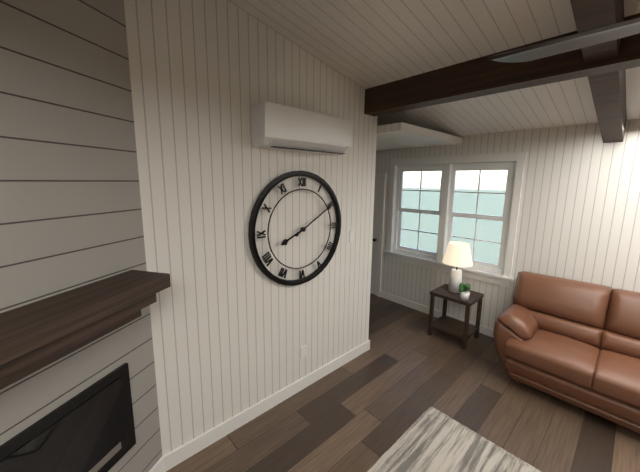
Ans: 8:10
